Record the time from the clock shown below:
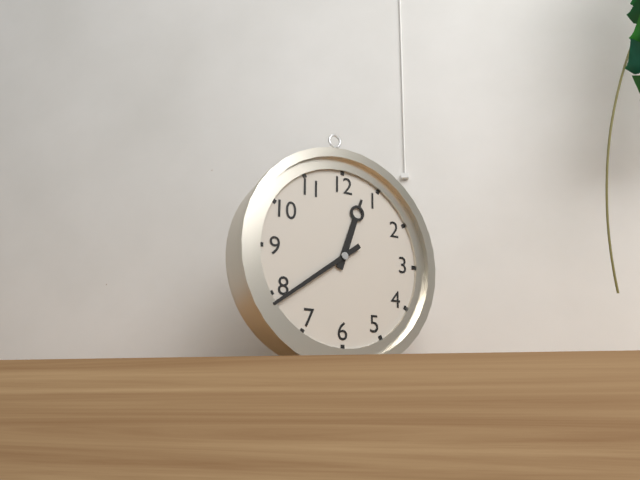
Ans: 12:39
